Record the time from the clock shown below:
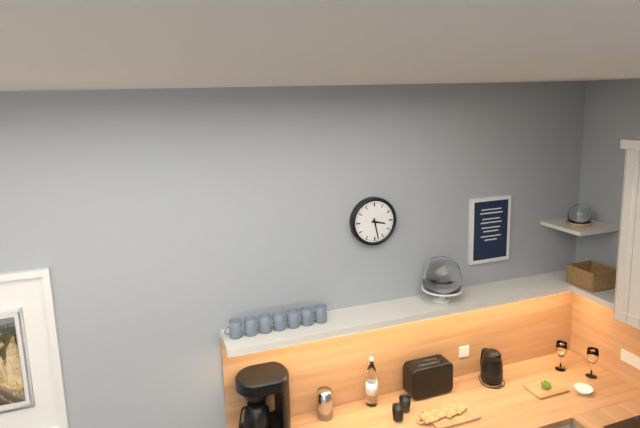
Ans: 3:28
